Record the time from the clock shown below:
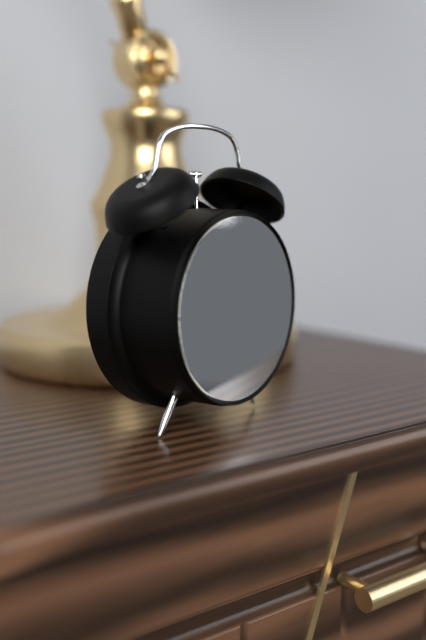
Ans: 3:53
